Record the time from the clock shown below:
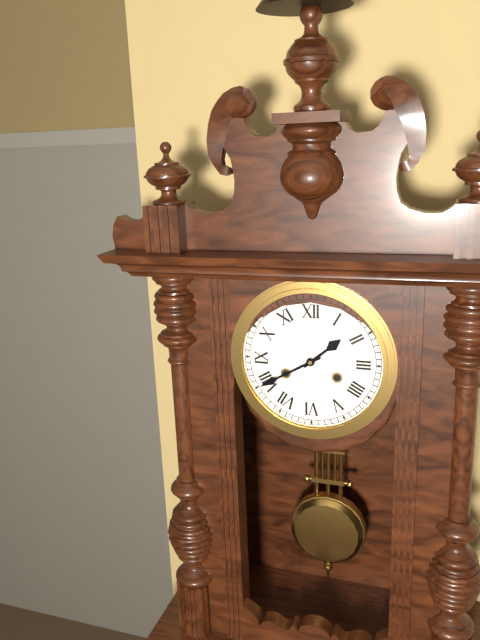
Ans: 1:40
